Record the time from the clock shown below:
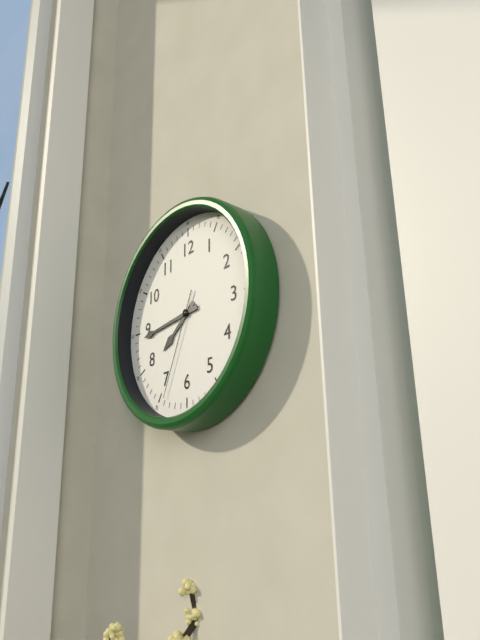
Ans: 7:44:34
